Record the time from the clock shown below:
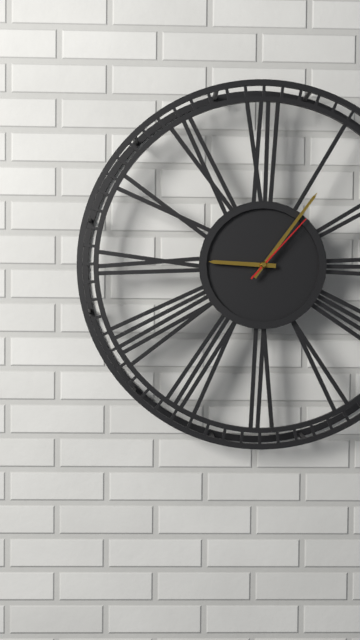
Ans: 9:06:07
